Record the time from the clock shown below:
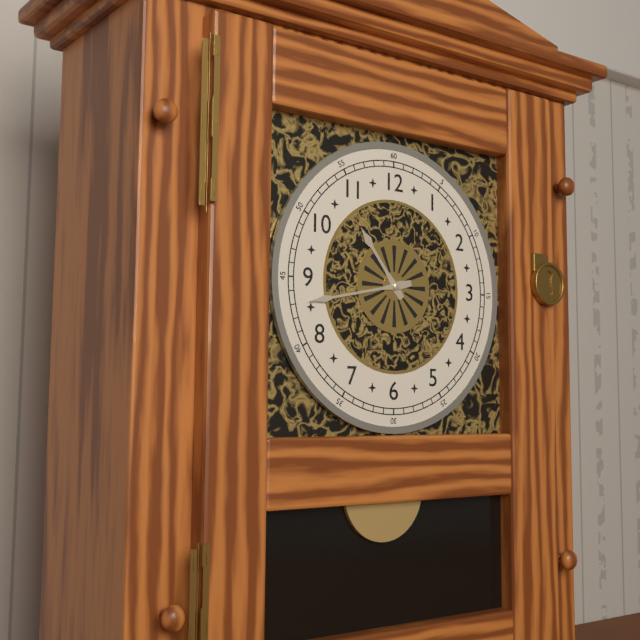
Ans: 10:43
